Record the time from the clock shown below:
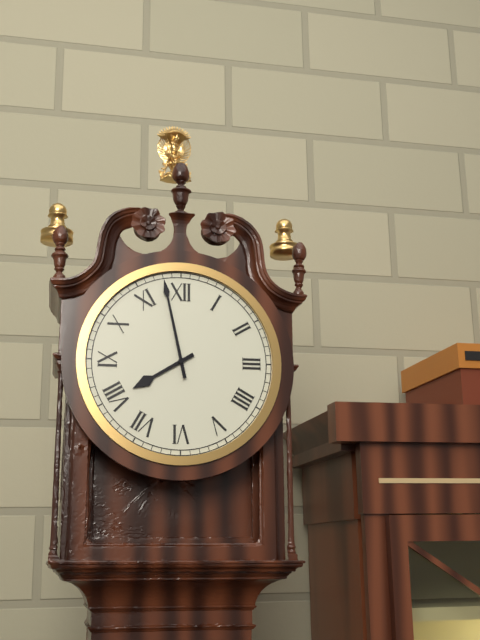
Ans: 7:58
